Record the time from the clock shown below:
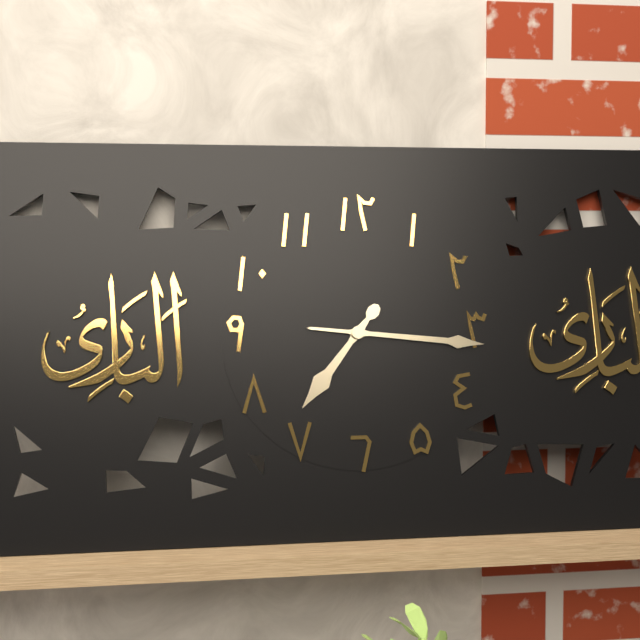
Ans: 7:16
